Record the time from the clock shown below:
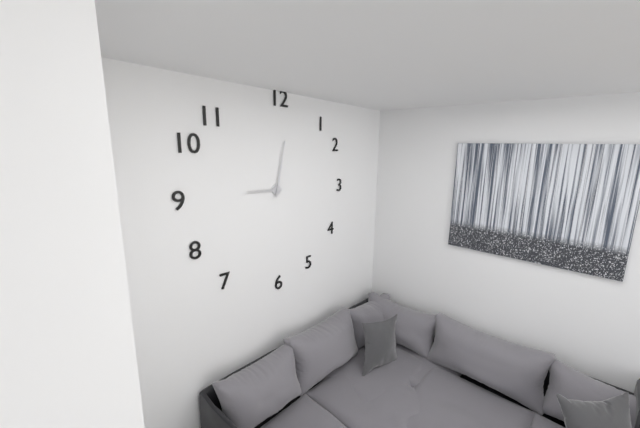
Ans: 9:02
